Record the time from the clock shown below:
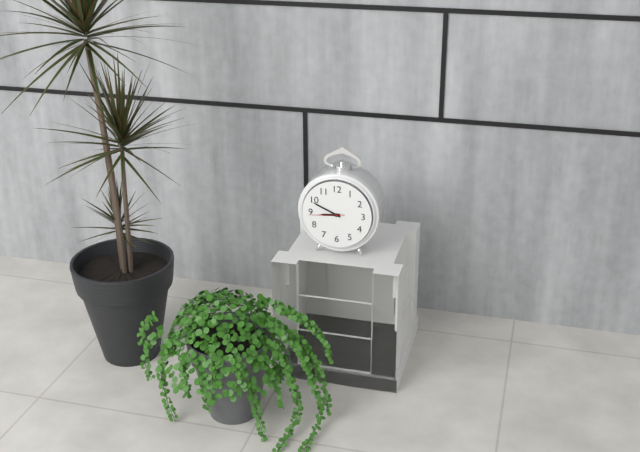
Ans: 8:49
